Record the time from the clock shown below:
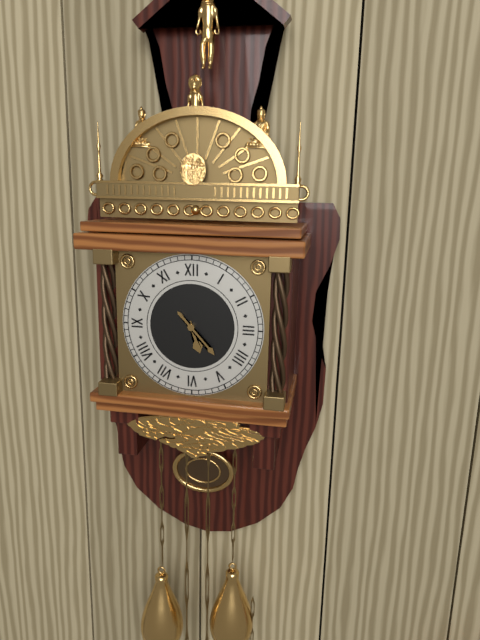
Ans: 5:23
